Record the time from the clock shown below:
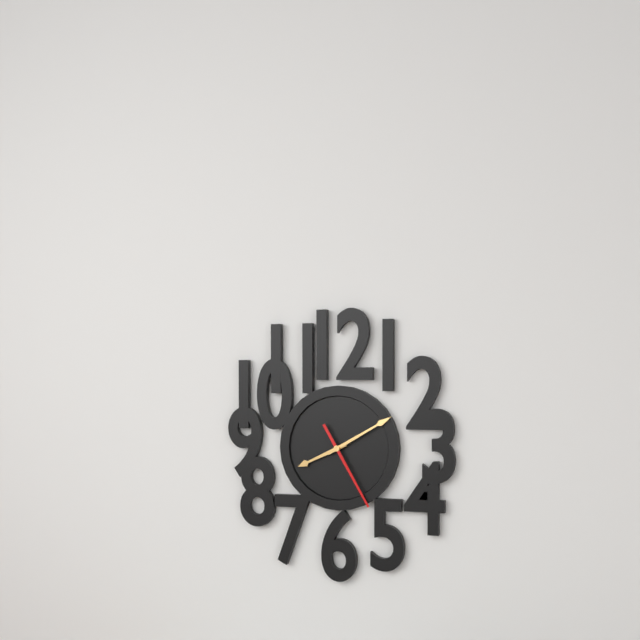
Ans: 8:10:25
